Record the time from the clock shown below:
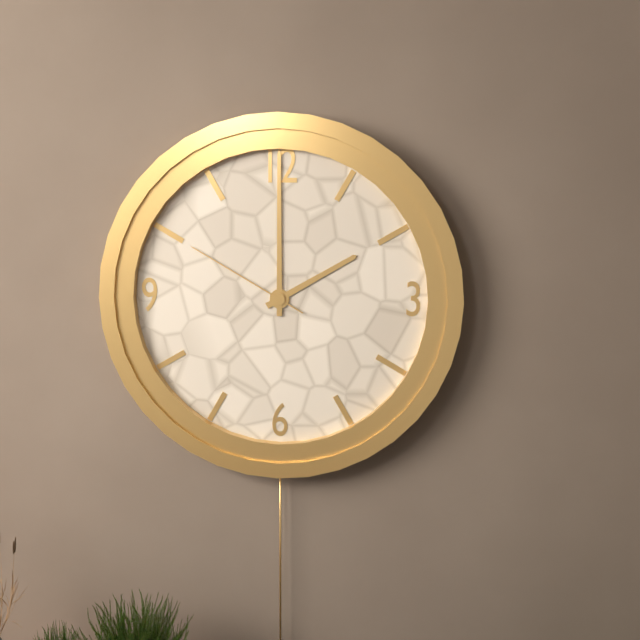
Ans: 2:00:50
